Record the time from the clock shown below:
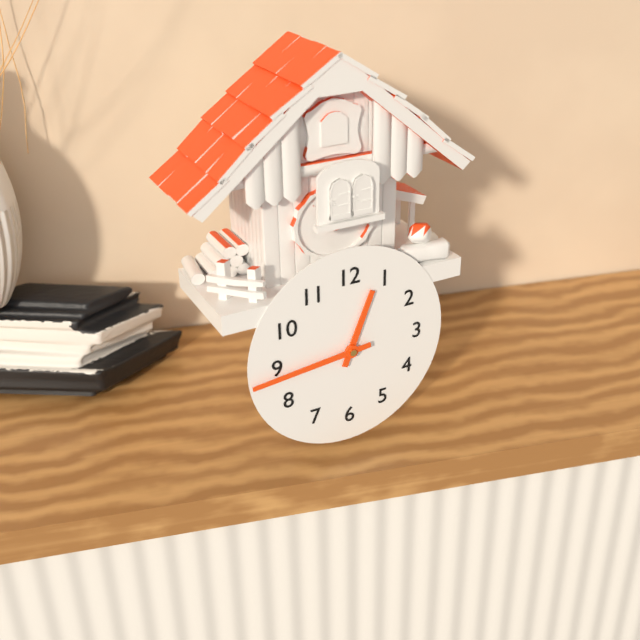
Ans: 12:44
